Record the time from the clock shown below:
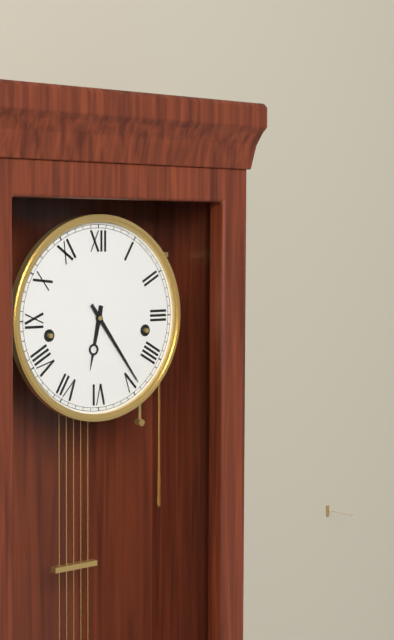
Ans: 6:24
